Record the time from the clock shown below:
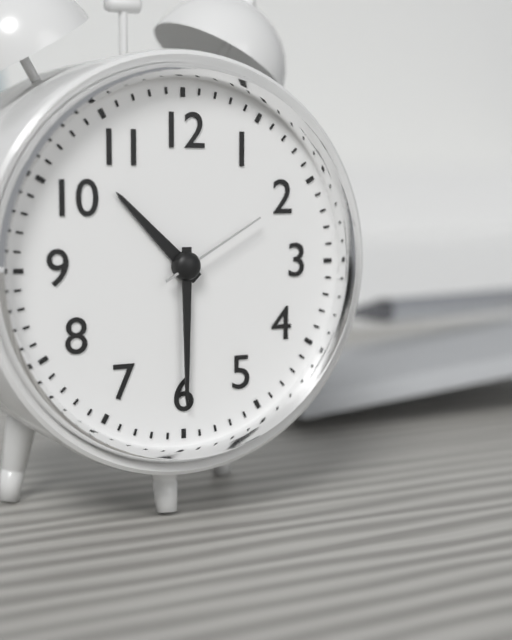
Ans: 10:30:10
